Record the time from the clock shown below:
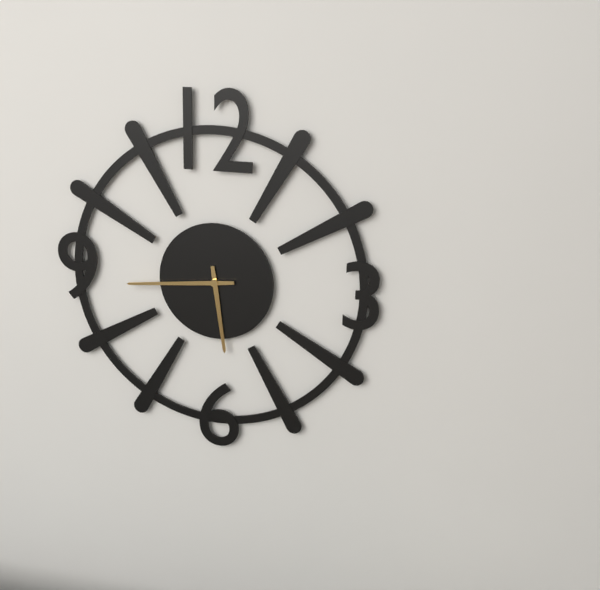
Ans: 5:44
